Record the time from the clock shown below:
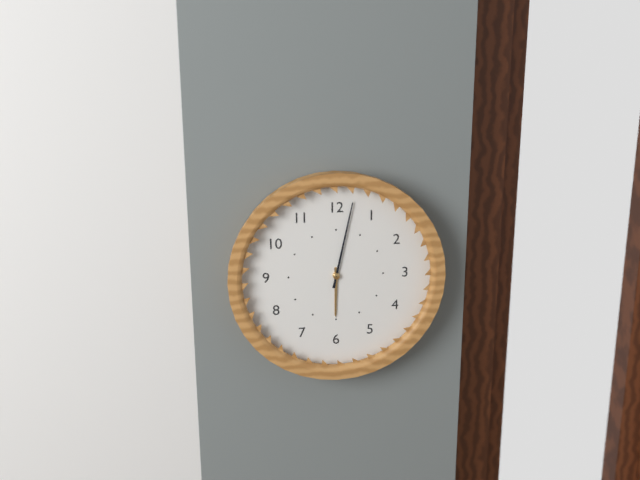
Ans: 6:02
